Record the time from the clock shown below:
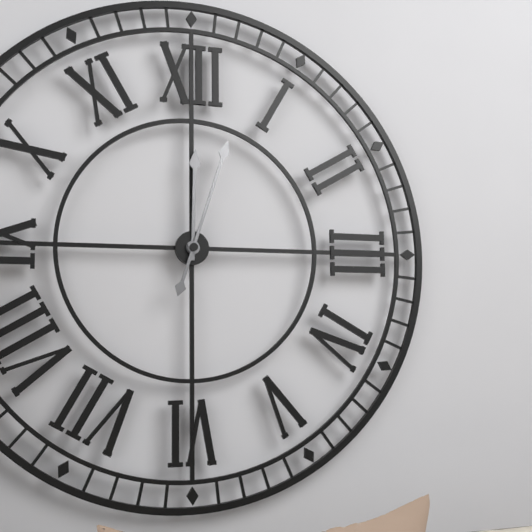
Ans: 12:03
